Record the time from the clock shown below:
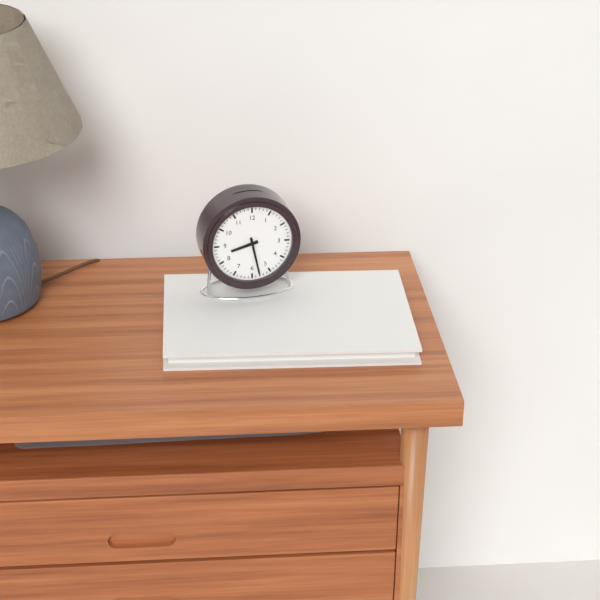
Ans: 8:28
